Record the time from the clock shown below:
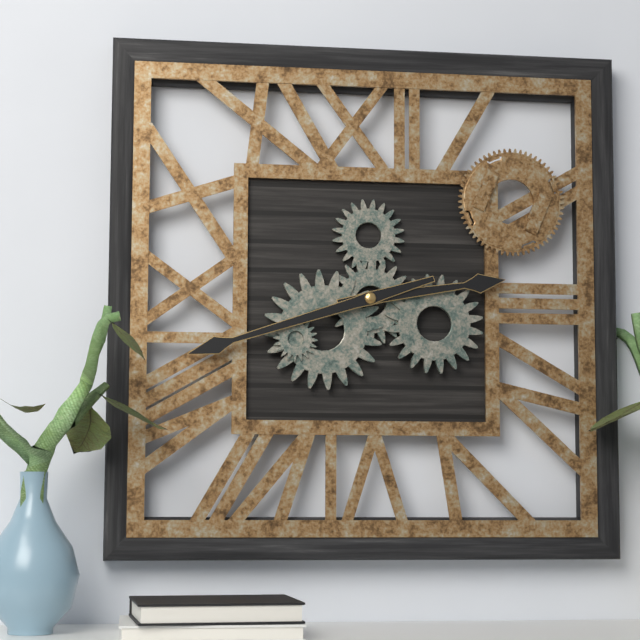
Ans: 2:42
